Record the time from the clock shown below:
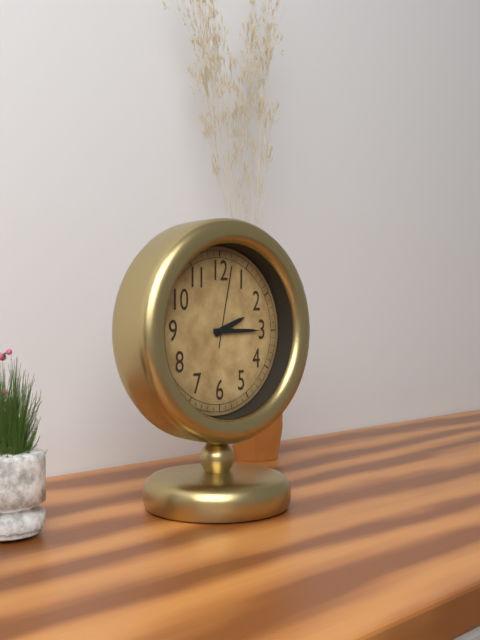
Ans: 2:15:02
